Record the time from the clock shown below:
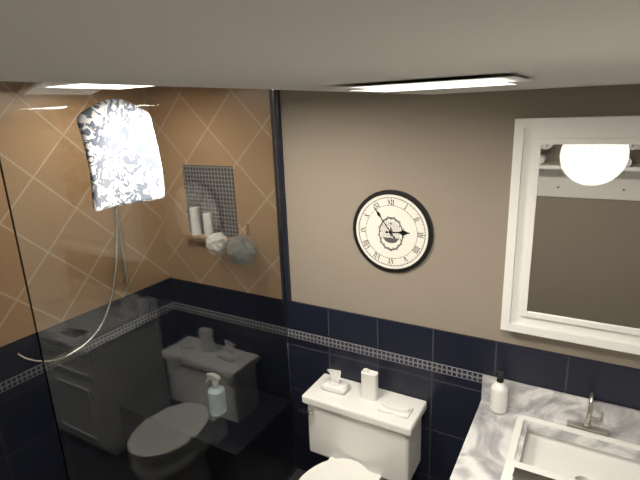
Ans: 2:54
